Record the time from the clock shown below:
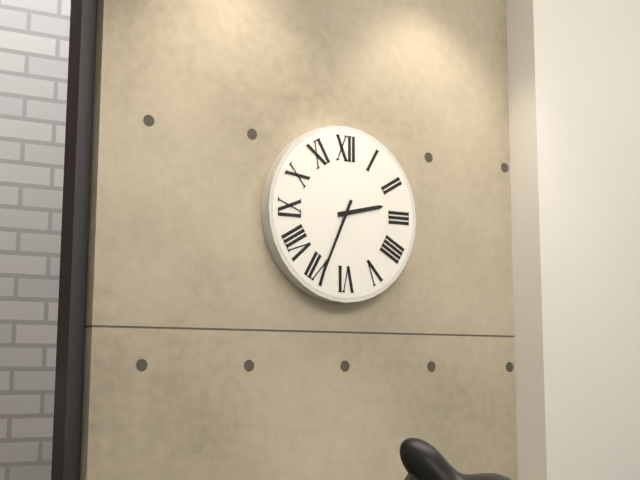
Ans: 2:34
